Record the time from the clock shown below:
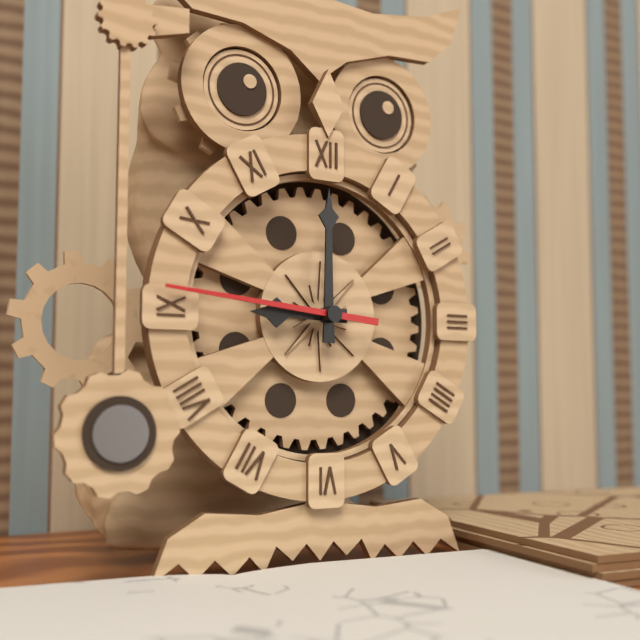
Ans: 9:00:46
